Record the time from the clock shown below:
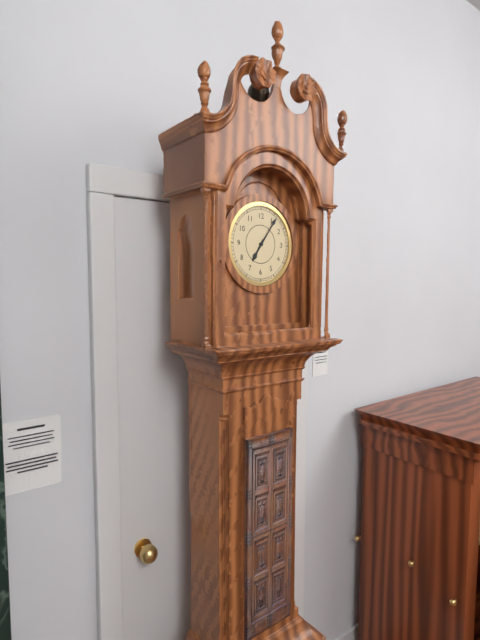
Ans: 7:06
